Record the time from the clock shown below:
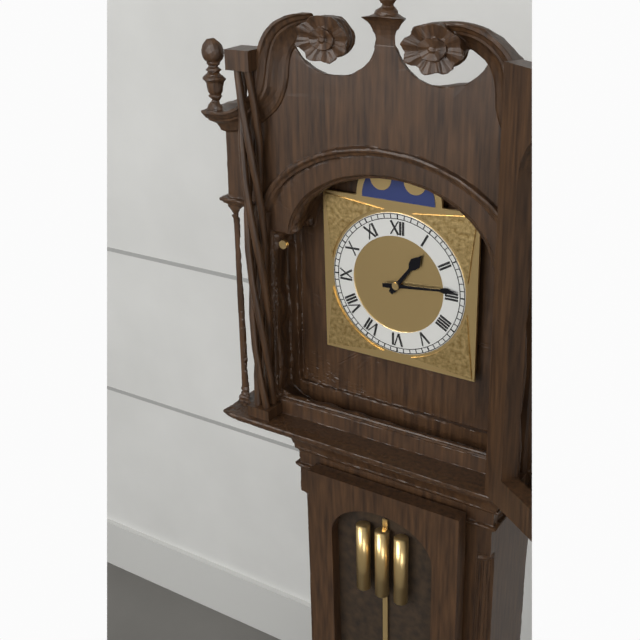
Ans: 1:14
